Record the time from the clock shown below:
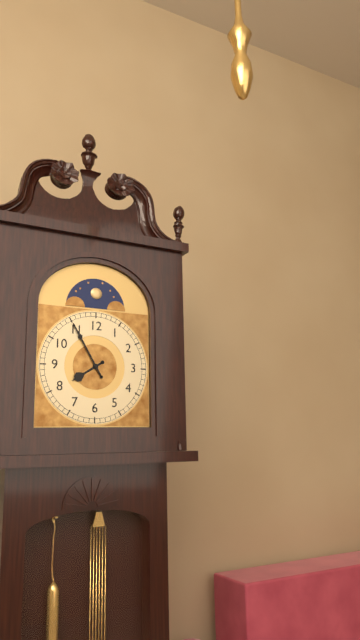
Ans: 7:55
